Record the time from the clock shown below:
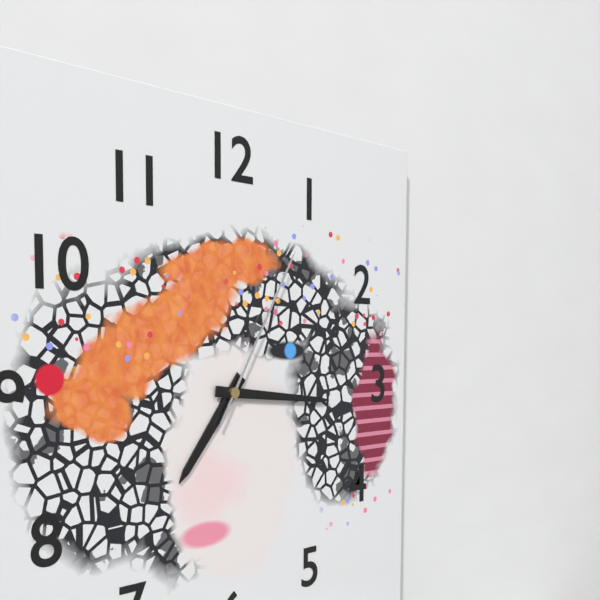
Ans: 7:16:05
